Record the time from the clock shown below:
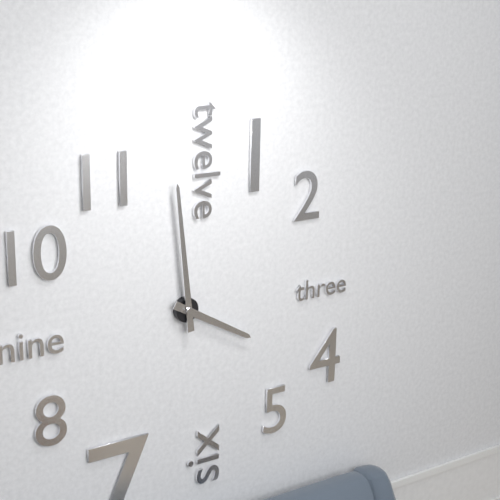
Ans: 3:59
